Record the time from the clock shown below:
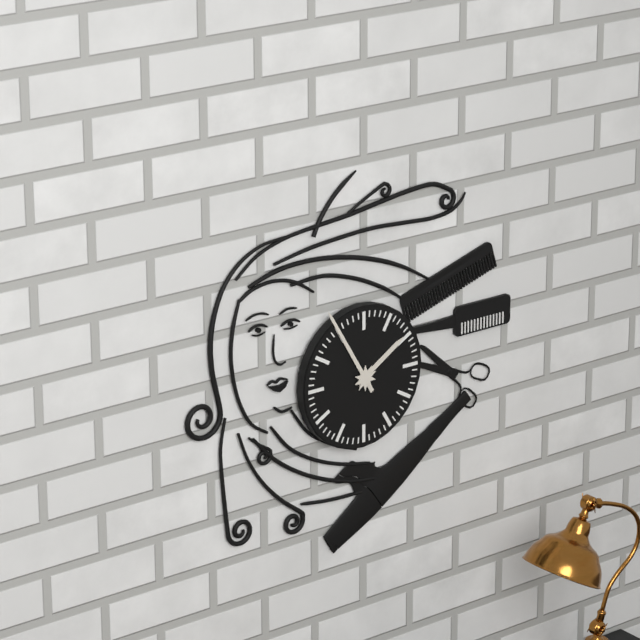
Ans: 1:55
